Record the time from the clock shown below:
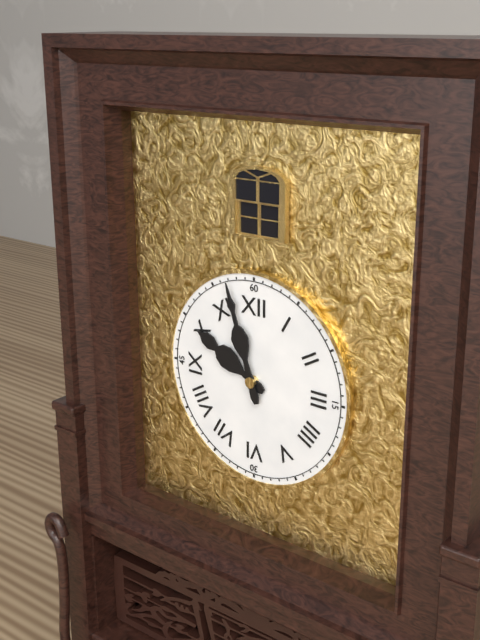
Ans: 9:57
